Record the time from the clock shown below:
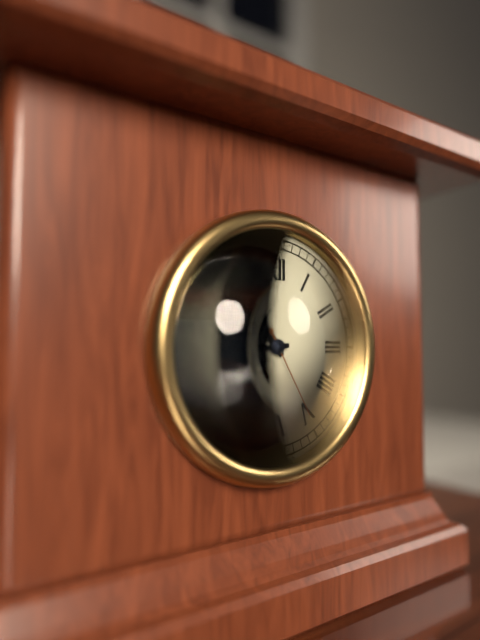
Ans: 10:44:25
